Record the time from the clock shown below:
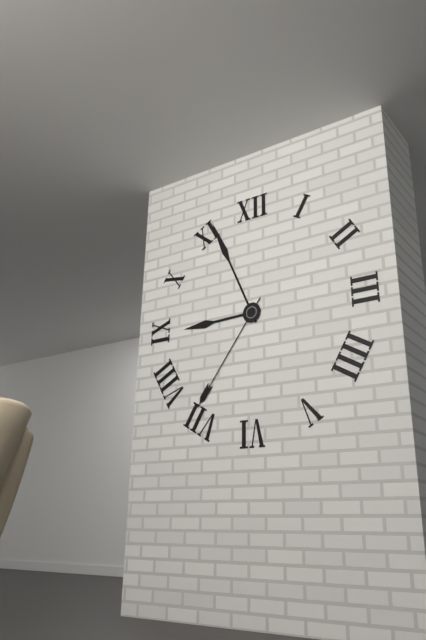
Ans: 8:56:36
